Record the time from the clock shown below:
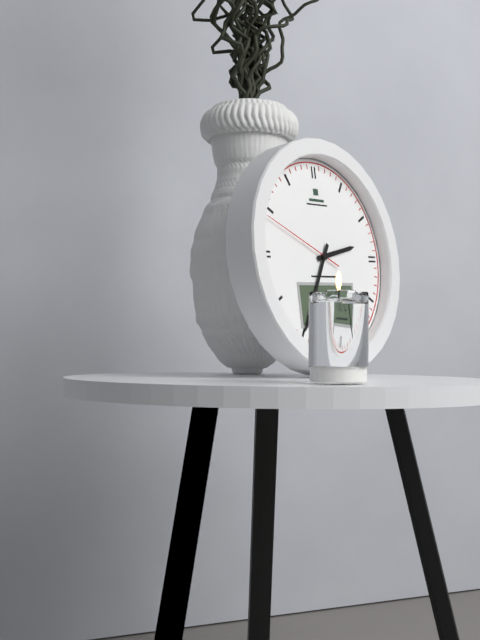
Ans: 2:35:49
